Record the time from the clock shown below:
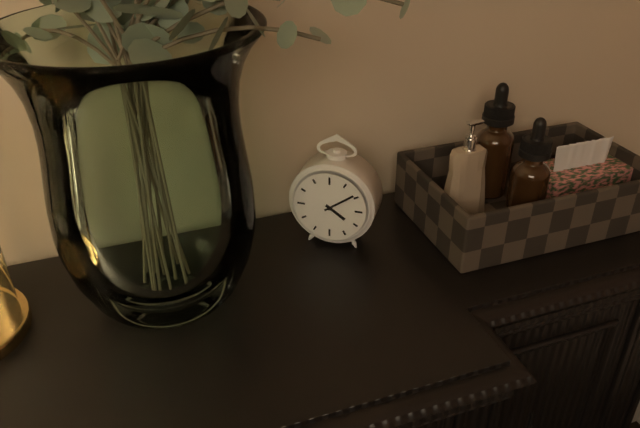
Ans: 4:09
